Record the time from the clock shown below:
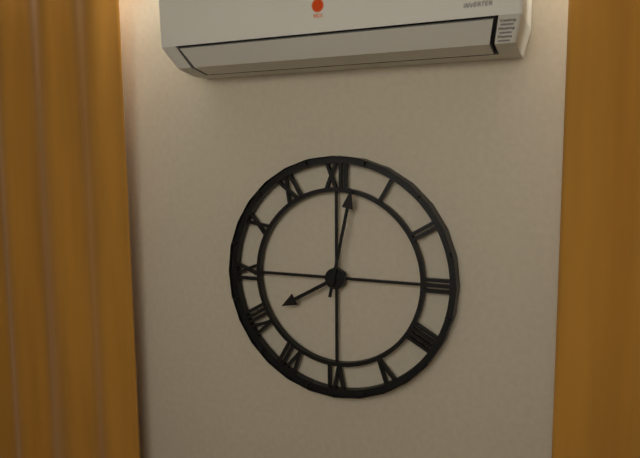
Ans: 8:02
